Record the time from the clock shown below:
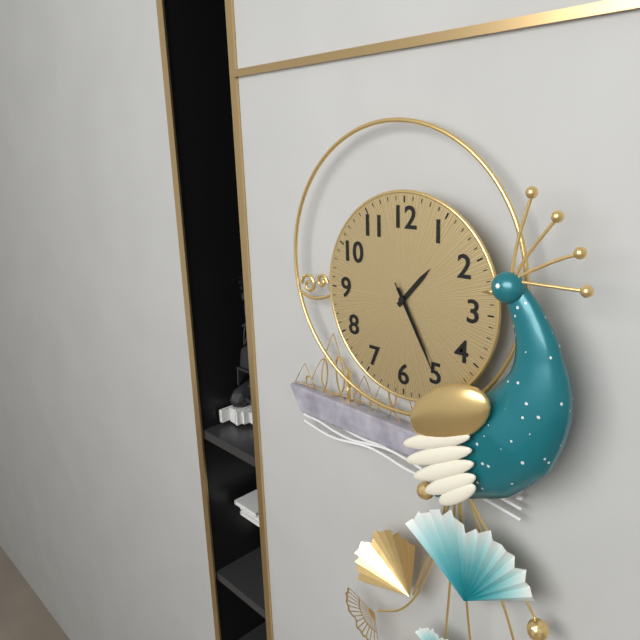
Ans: 1:25:25
